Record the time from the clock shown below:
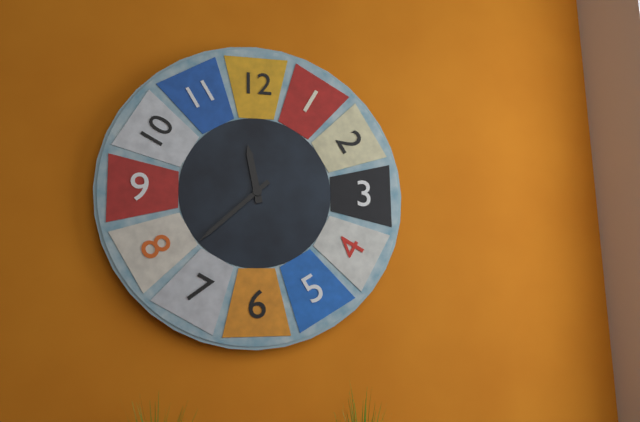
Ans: 11:38
